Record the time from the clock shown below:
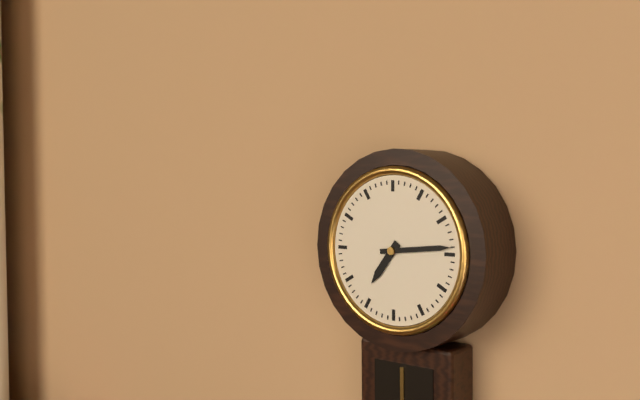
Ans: 7:14
